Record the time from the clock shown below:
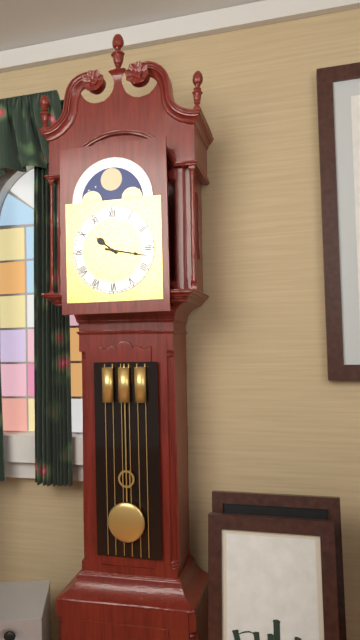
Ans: 10:17
